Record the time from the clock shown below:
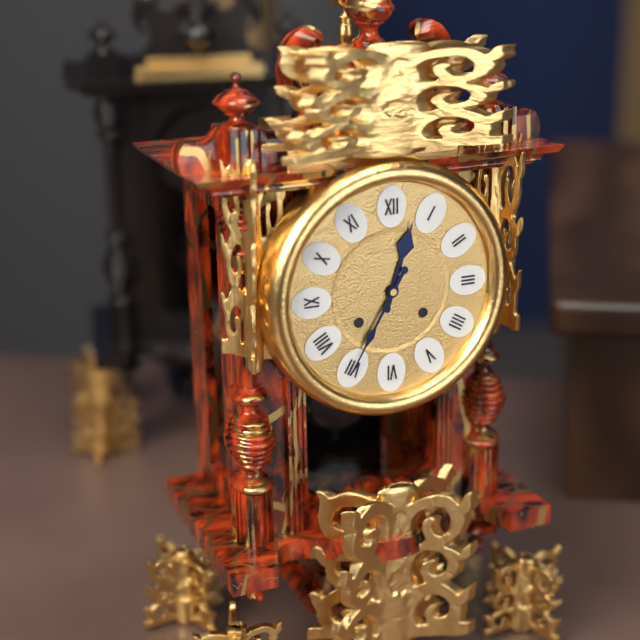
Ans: 12:35
